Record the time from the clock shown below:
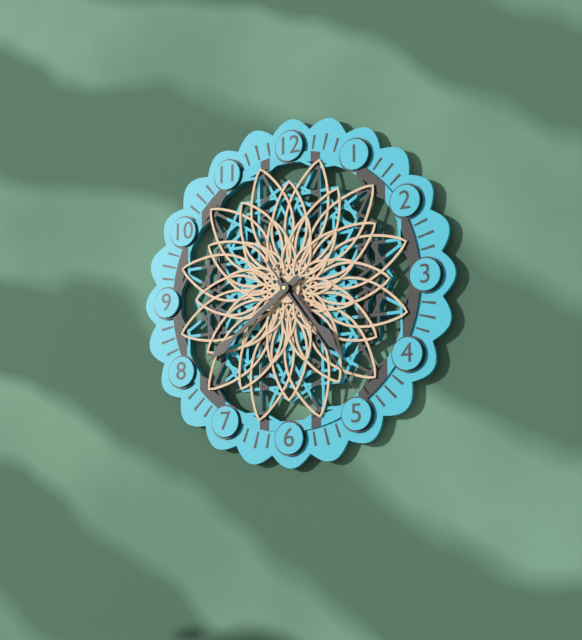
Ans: 4:39:24
